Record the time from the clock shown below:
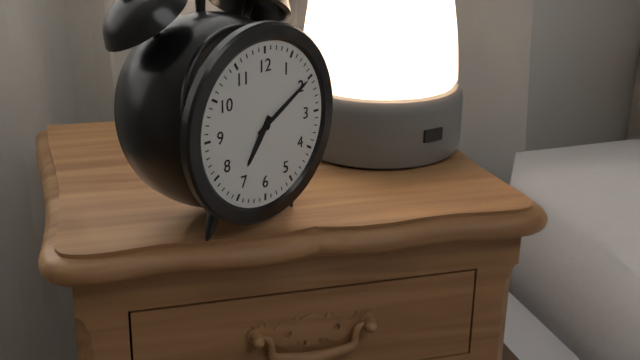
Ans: 7:10
